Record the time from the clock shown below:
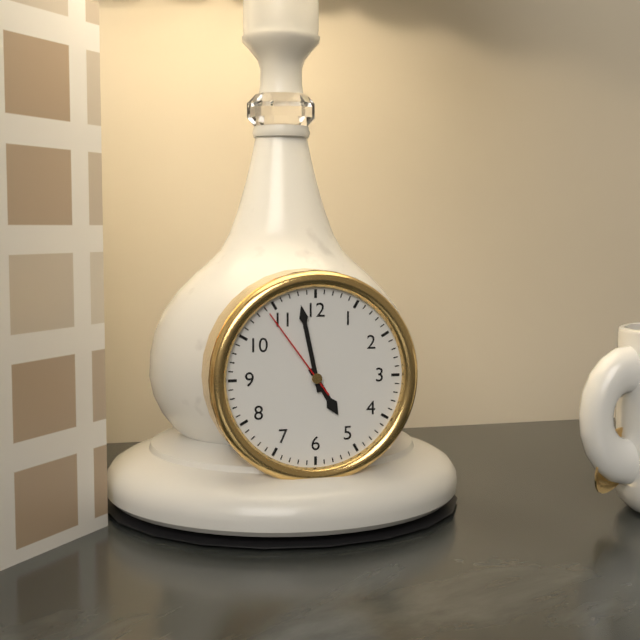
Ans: 4:58:54
